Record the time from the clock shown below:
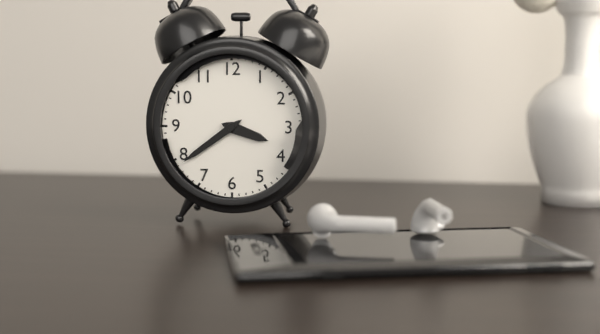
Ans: 3:39
